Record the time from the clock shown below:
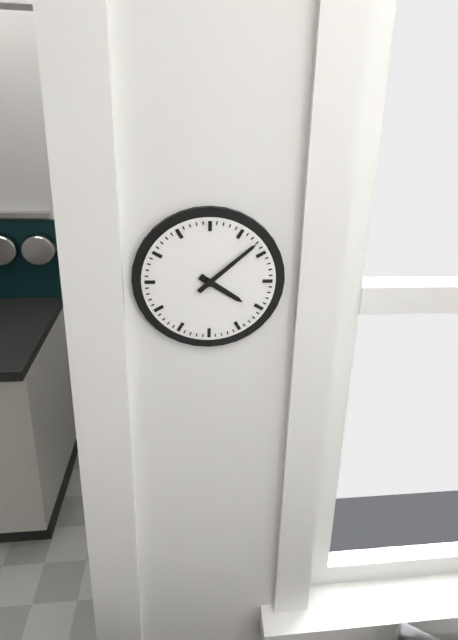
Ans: 4:08
